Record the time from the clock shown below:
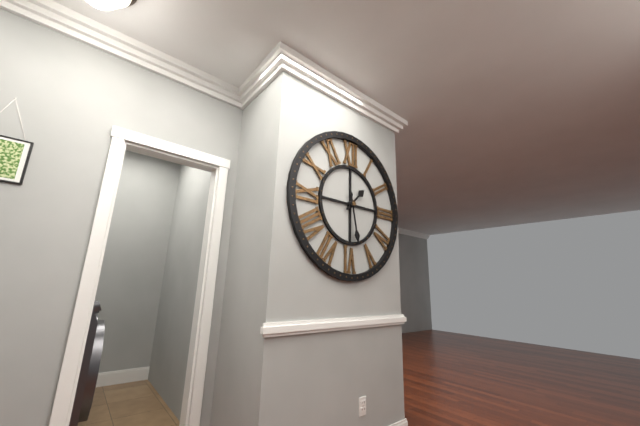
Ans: 1:28
